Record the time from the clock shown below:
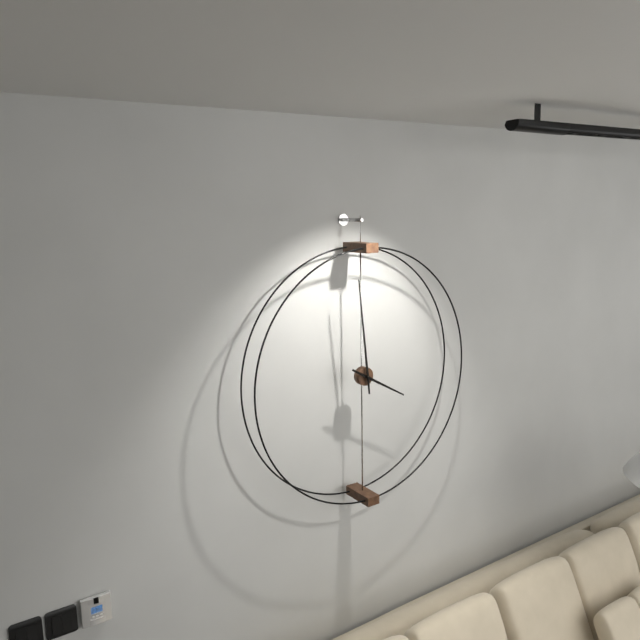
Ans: 3:59
